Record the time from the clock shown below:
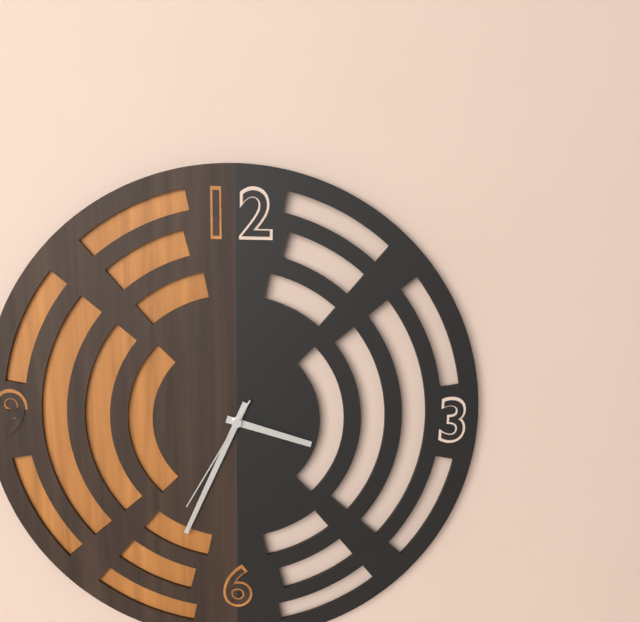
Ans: 3:34:35
